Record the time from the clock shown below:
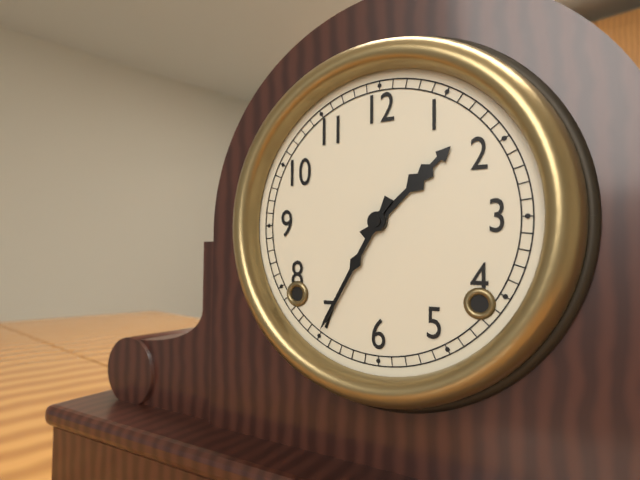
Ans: 1:35
